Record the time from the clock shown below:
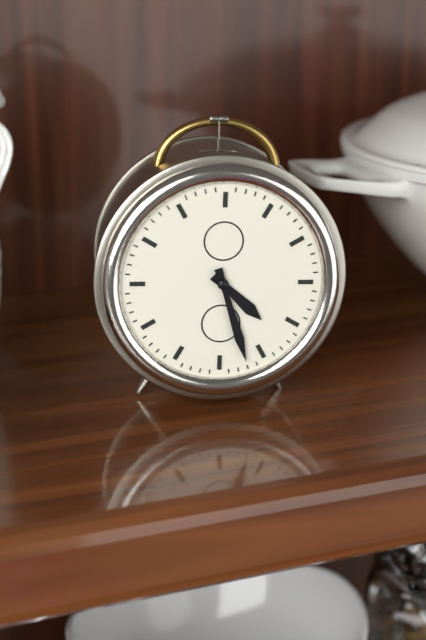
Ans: 4:27
